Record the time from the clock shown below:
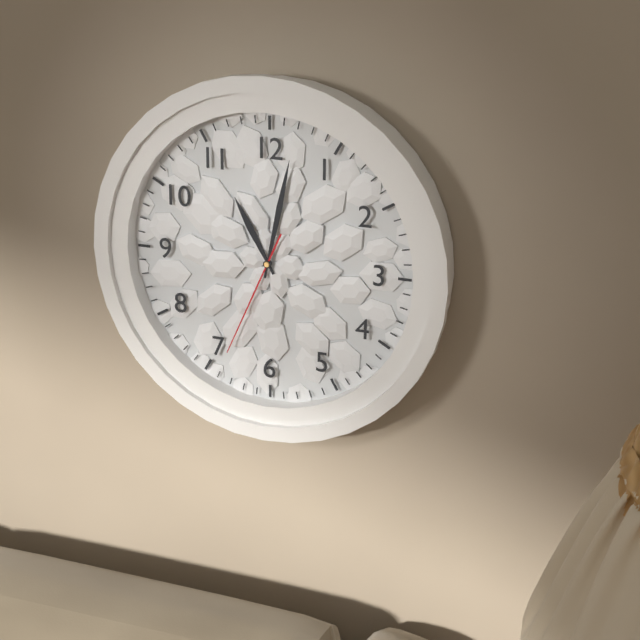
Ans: 11:02:34
